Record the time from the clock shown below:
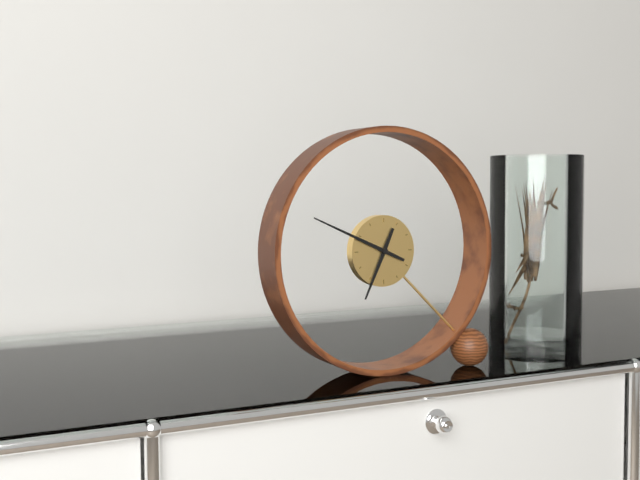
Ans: 6:49
